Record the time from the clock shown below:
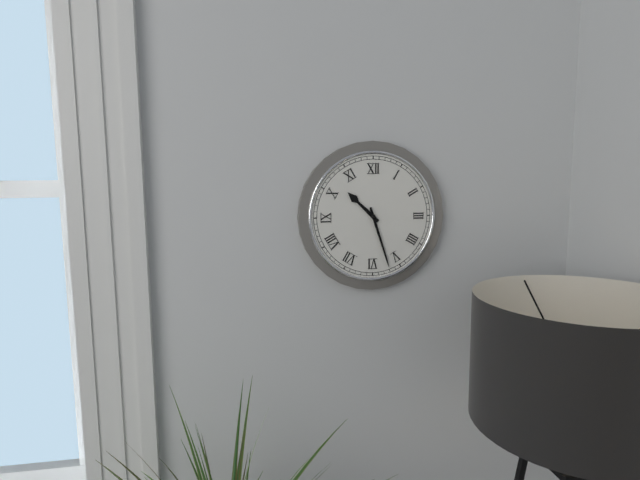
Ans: 10:27
